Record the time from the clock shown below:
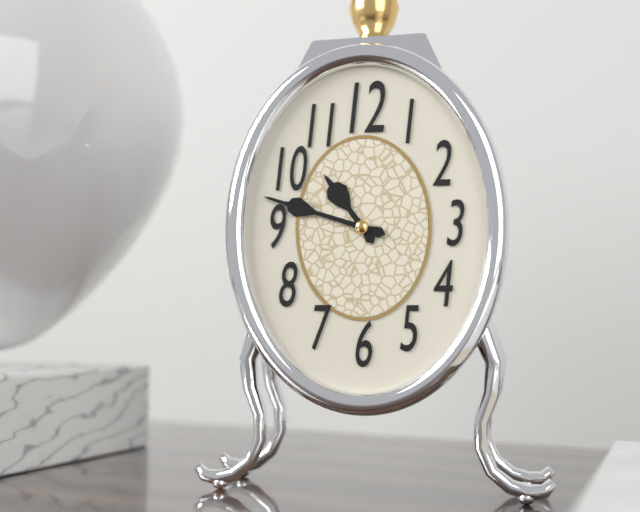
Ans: 10:48
